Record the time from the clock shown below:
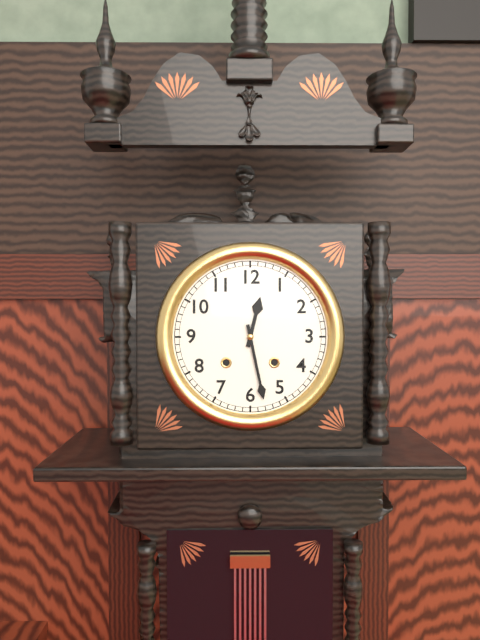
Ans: 12:28
